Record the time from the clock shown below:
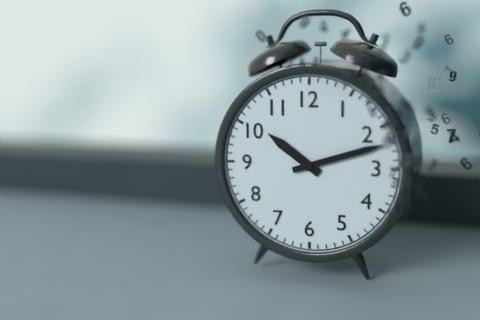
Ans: 10:12
